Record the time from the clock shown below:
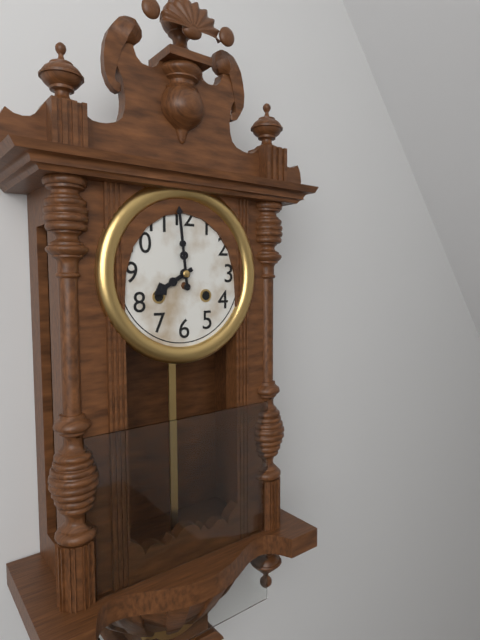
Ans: 7:59
